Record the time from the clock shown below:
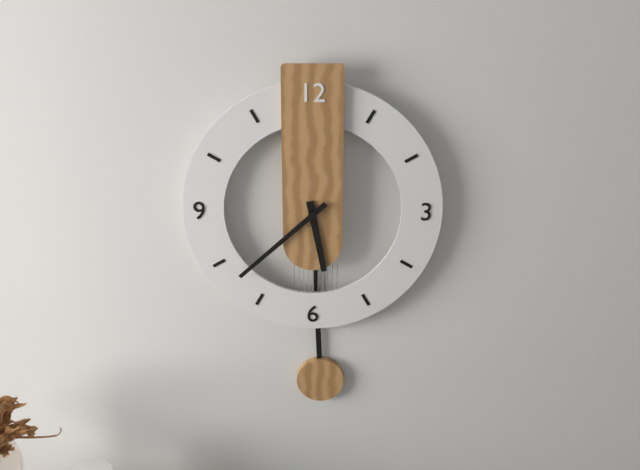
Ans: 5:38
